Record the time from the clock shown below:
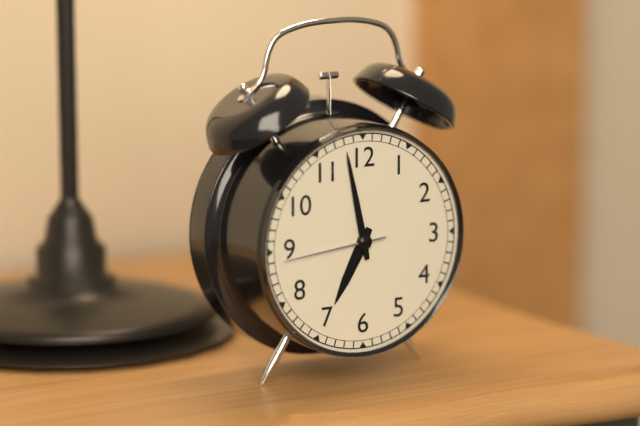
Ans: 6:58:44
